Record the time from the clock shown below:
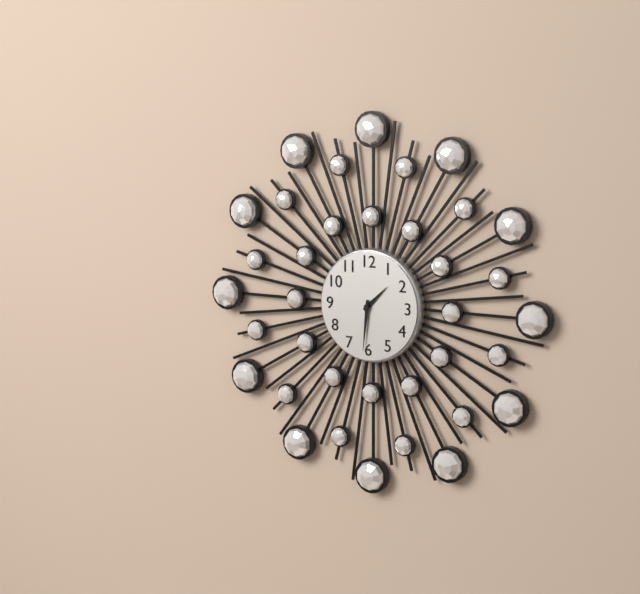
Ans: 1:31
